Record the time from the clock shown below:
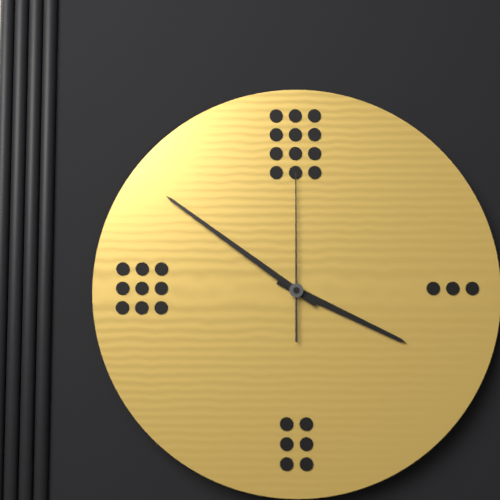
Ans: 3:51:00
